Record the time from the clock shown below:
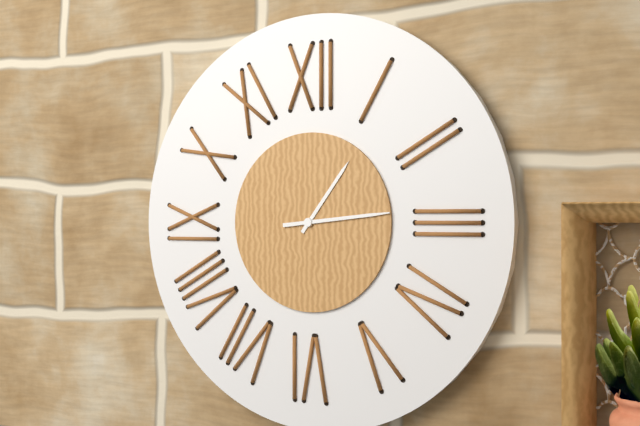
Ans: 1:14
